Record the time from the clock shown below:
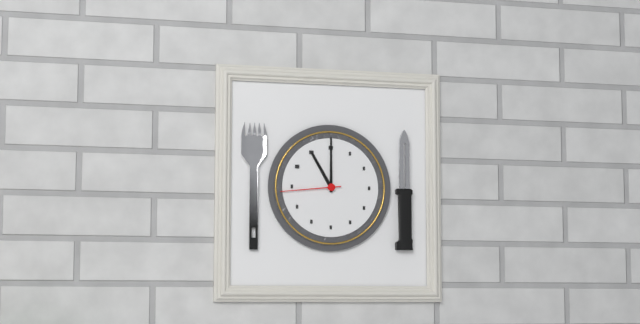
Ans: 11:00:44
